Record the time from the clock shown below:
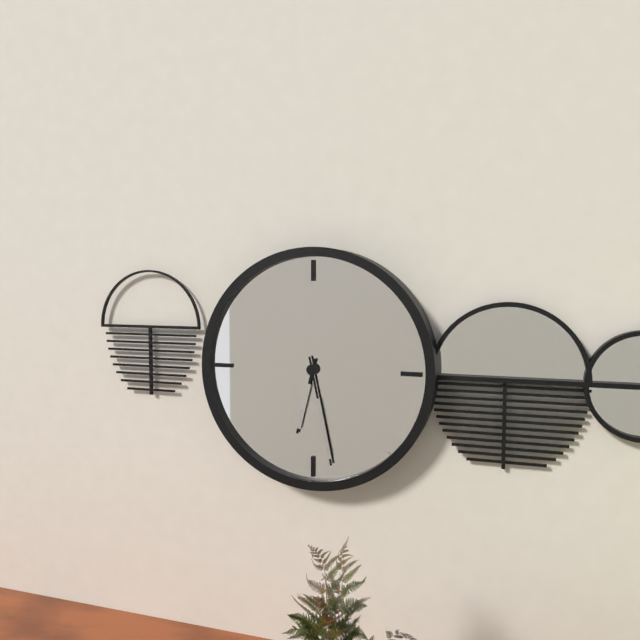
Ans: 6:28
